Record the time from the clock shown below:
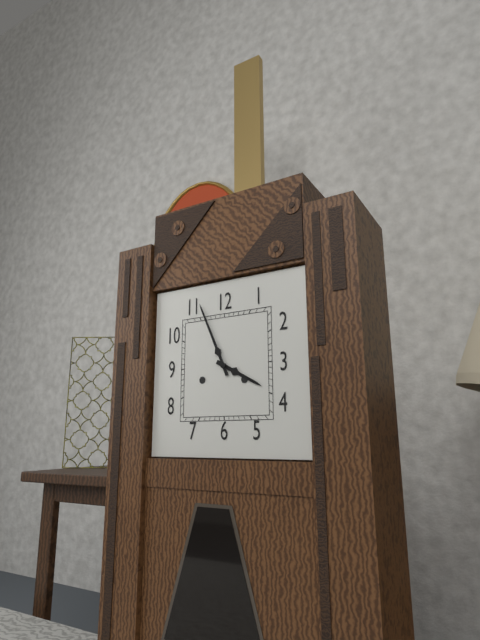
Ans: 3:56
